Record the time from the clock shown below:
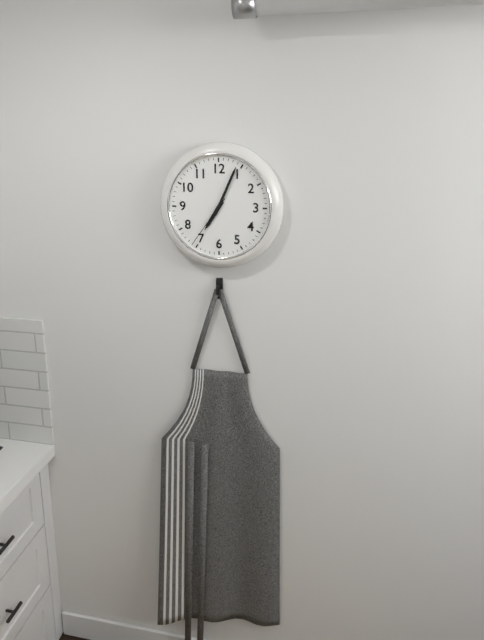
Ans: 7:04:36
